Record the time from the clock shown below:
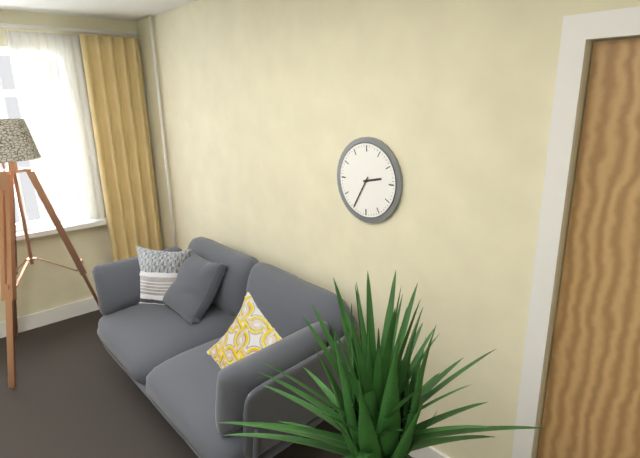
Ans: 2:35
